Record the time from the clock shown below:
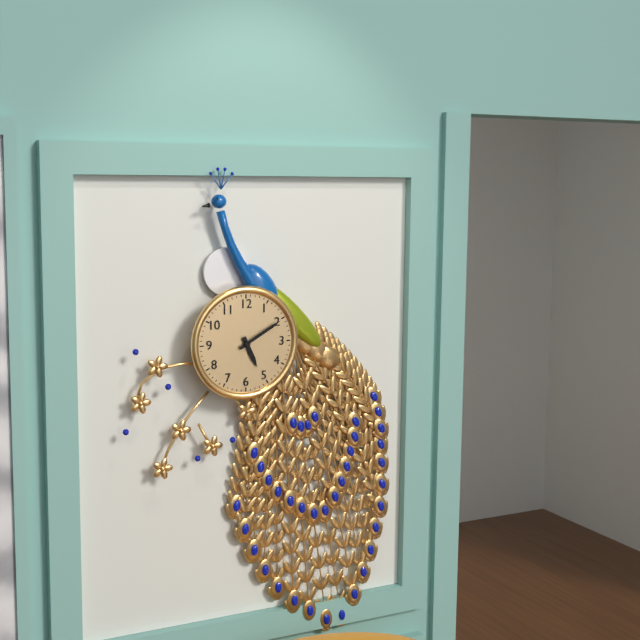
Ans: 5:10
